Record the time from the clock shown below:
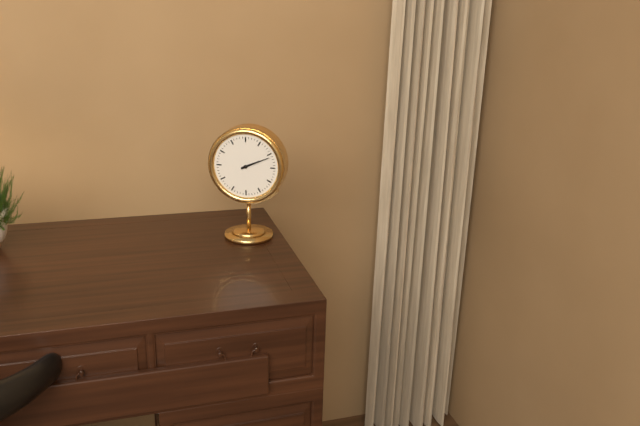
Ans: 2:11
